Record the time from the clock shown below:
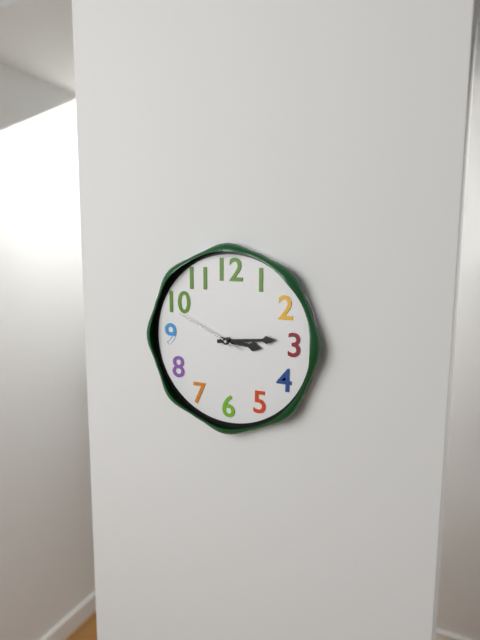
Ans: 3:14:49
